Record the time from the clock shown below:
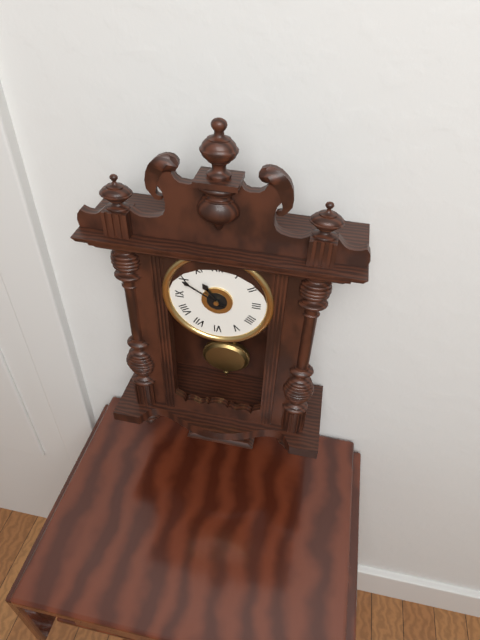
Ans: 10:50
